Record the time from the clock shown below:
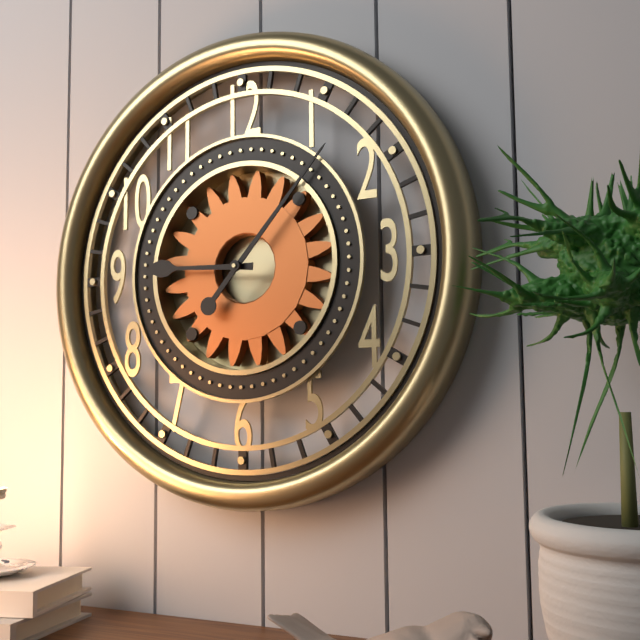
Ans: 9:07
